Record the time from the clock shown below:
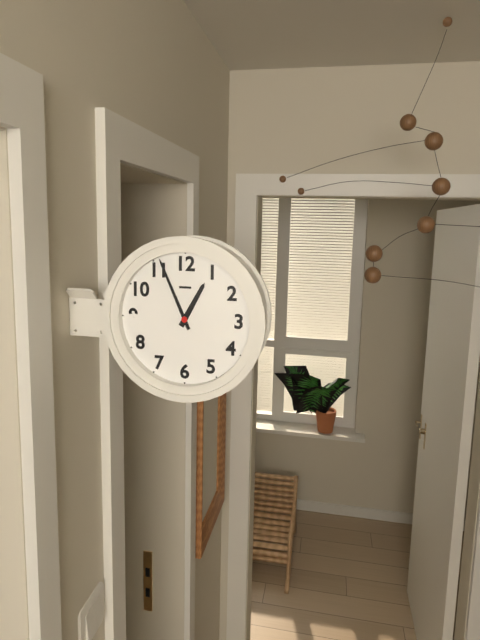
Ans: 12:56
